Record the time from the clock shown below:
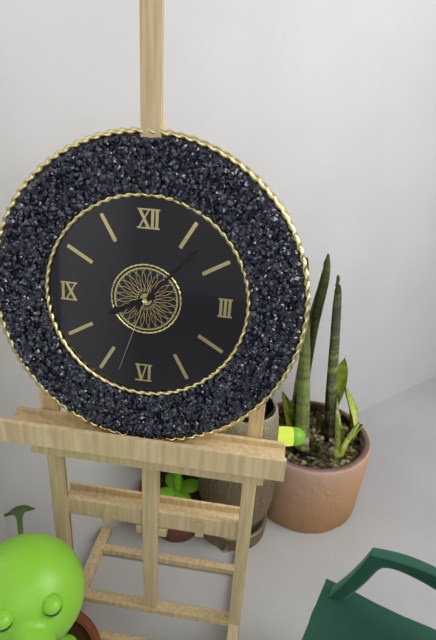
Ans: 8:07:33
